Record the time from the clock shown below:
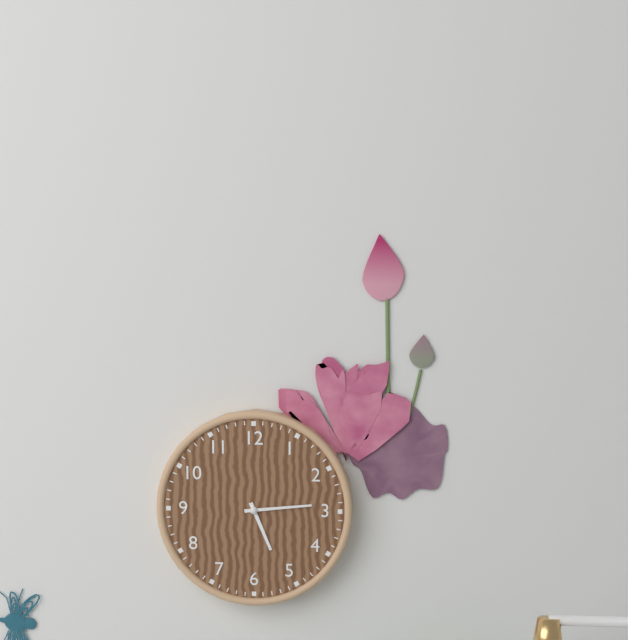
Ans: 5:14
